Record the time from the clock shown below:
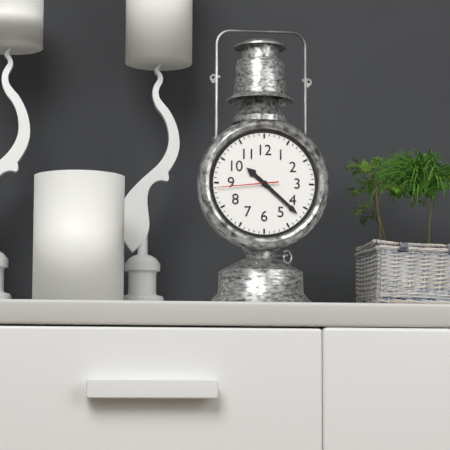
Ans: 10:22:44
